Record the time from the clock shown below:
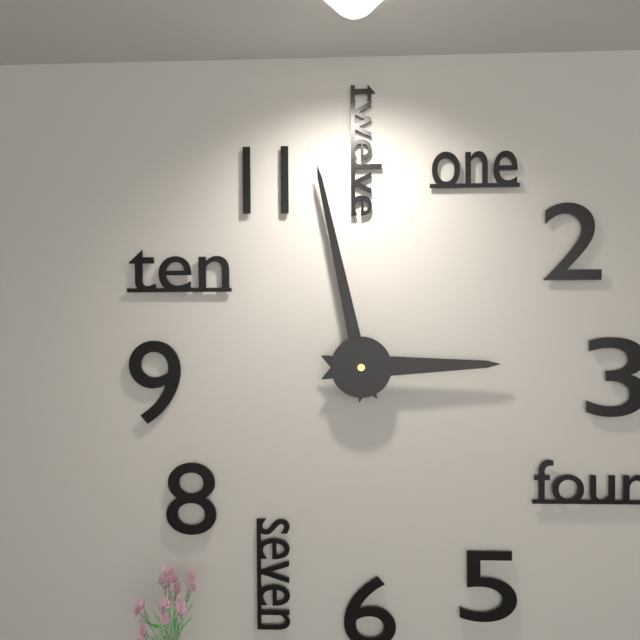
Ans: 2:58
